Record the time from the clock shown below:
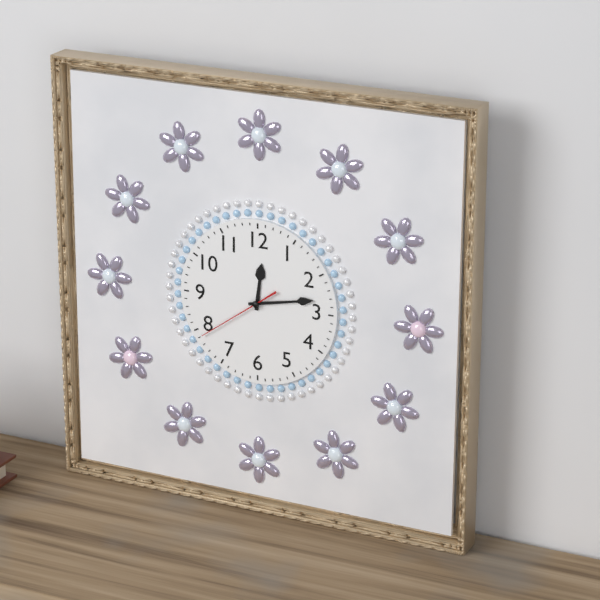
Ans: 12:13:39
